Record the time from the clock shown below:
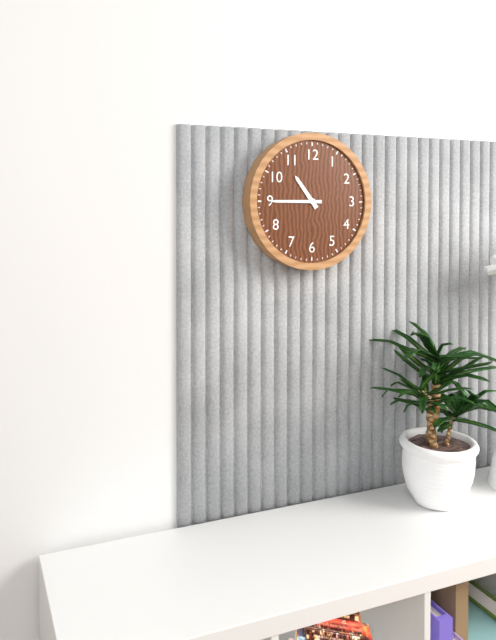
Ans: 10:45
